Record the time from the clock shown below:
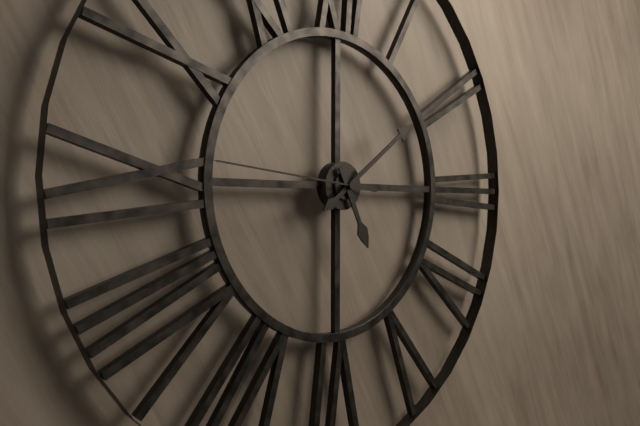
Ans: 5:09:46
